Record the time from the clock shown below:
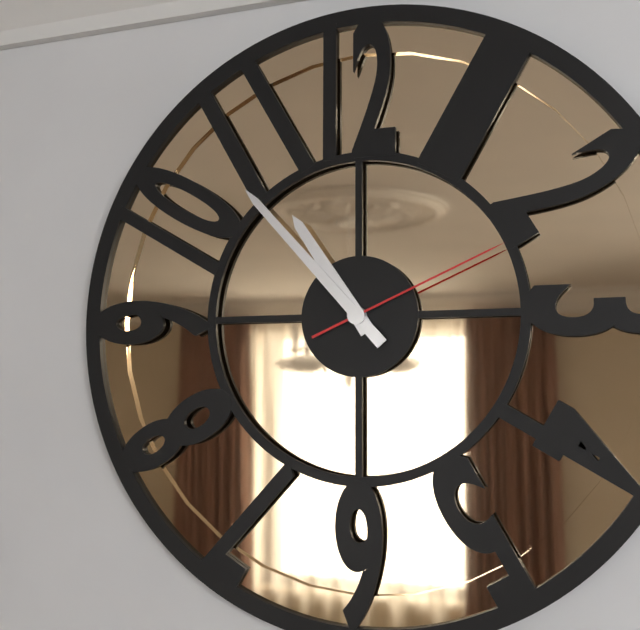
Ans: 10:53:11
